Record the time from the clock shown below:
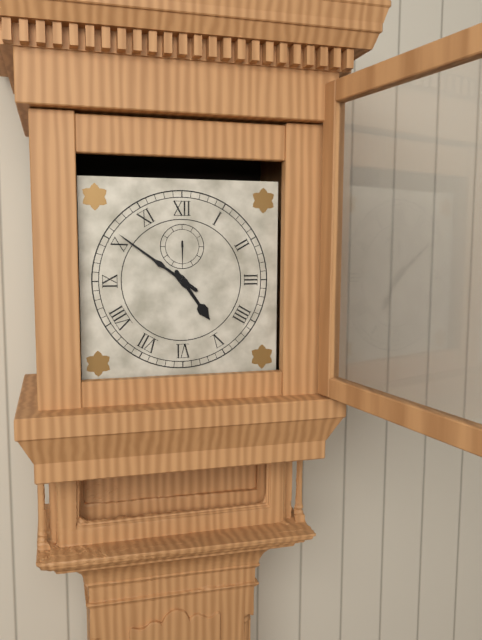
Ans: 4:51
